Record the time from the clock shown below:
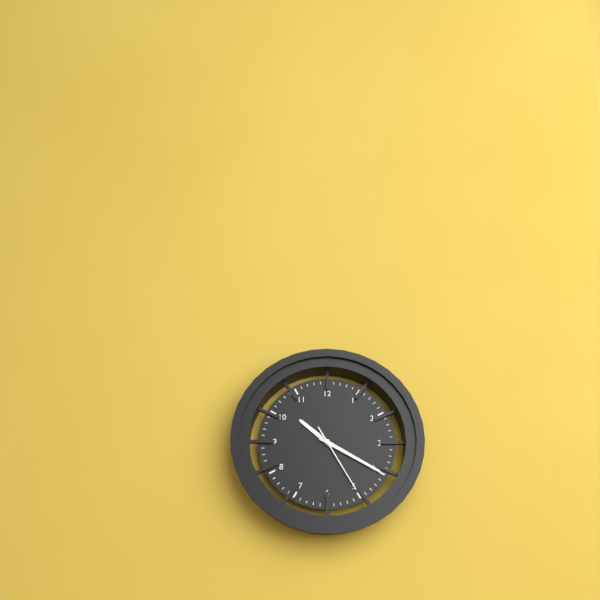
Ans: 10:20:25
